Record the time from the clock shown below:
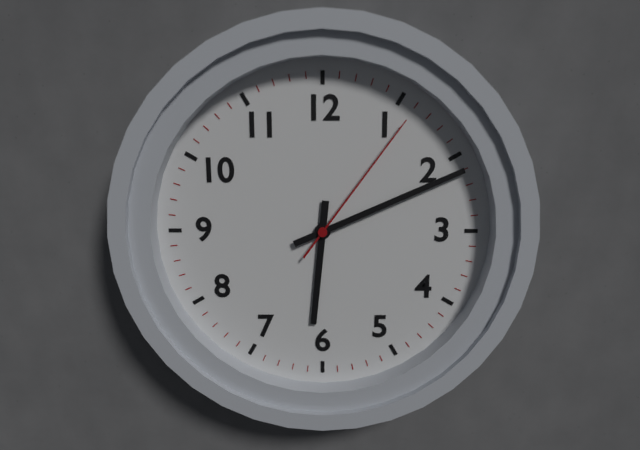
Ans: 6:11:06
